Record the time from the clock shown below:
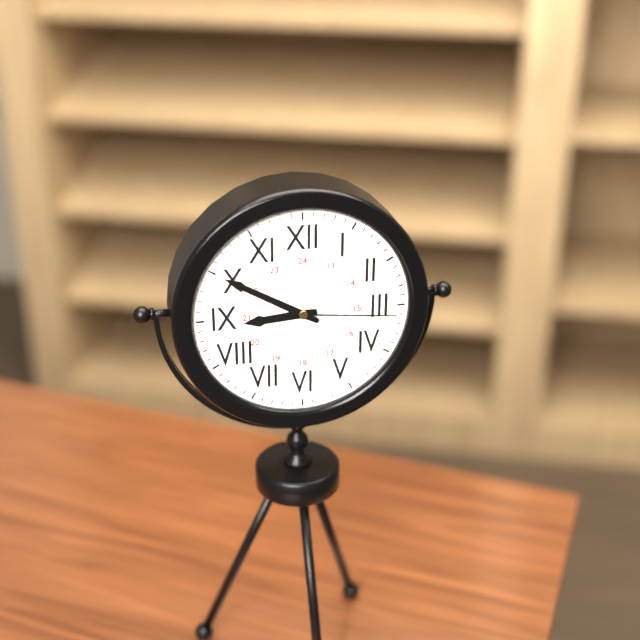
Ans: 8:50:16
